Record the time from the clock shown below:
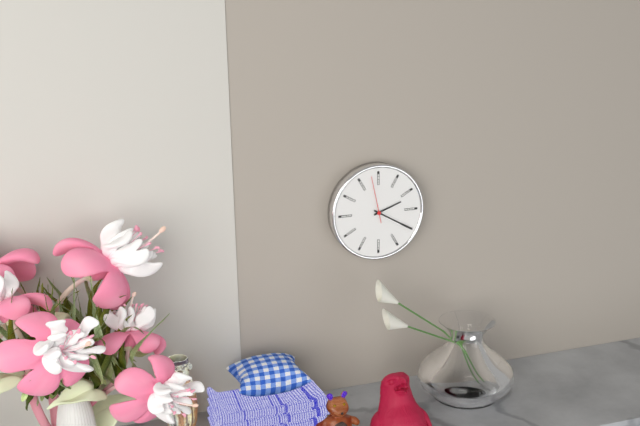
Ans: 2:20
